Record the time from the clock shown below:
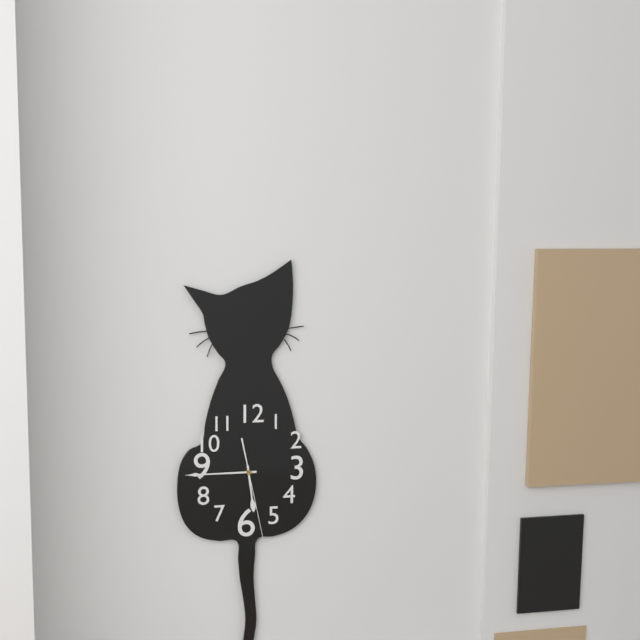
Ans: 5:45:28
